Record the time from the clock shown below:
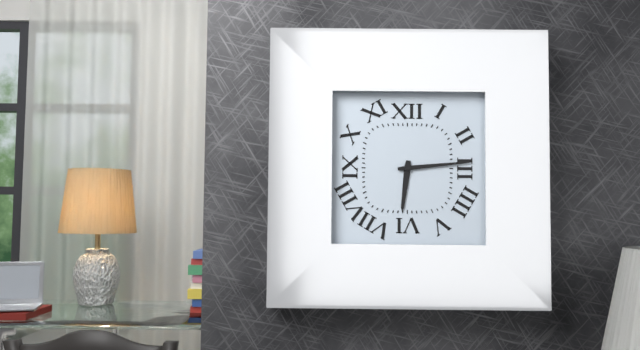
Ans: 6:14
